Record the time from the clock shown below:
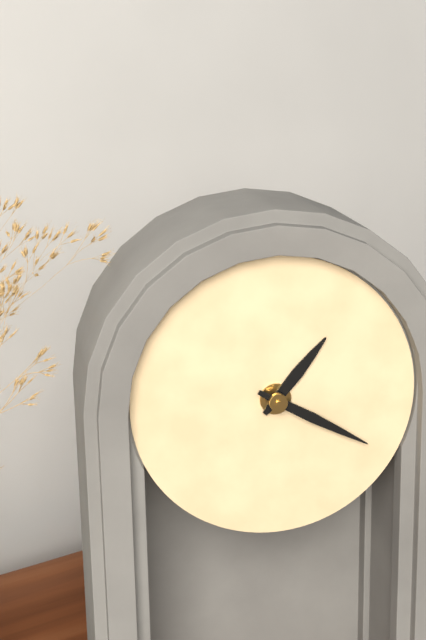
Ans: 1:20
